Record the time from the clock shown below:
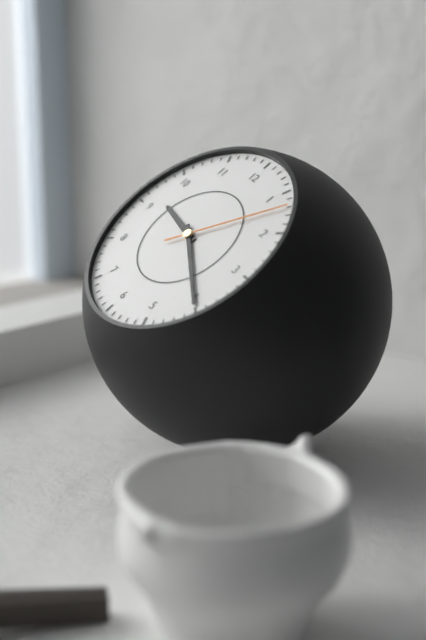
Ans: 9:20:07
